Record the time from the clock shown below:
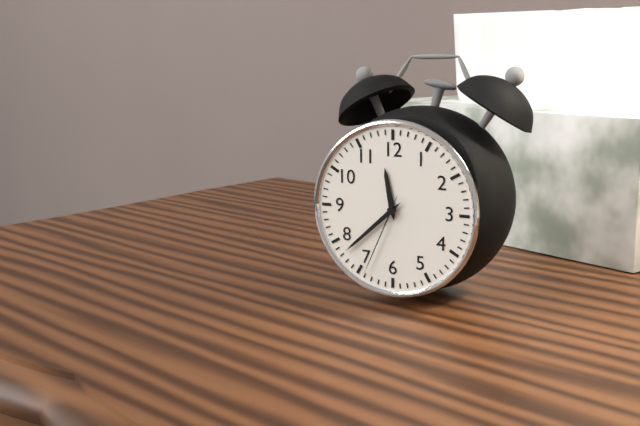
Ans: 11:38:34
